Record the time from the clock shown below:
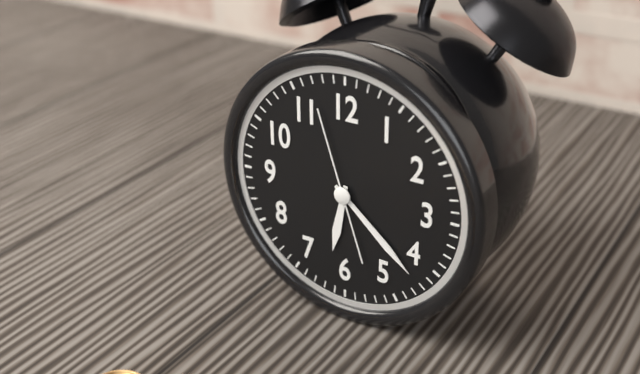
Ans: 6:22:57
